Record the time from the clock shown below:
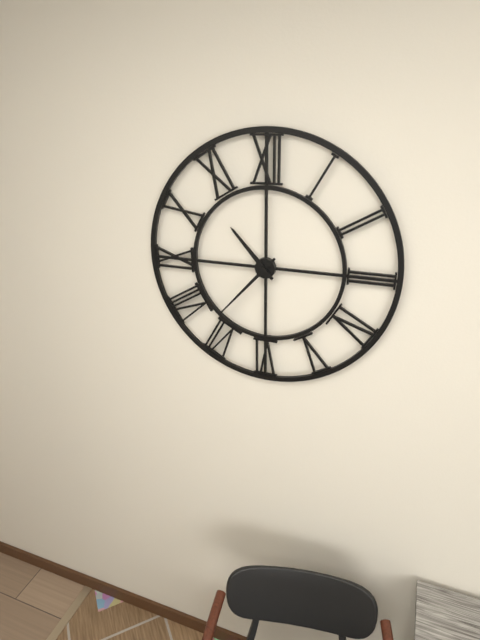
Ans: 10:37
